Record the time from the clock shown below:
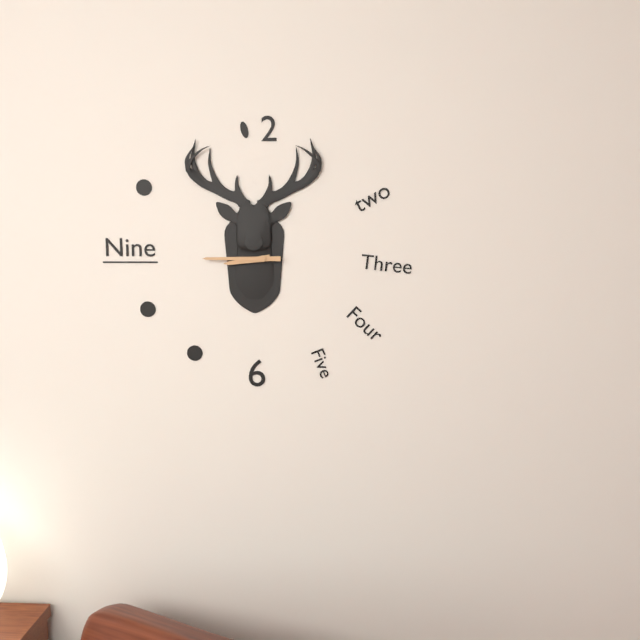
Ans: 8:45
